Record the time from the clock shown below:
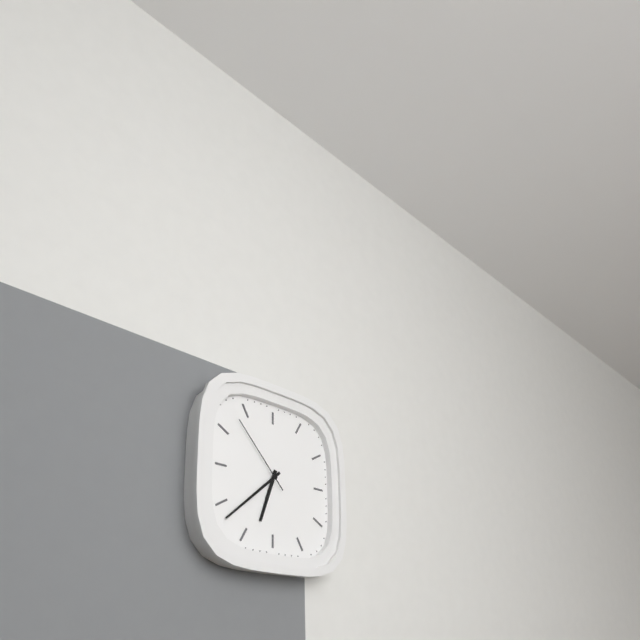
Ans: 6:38:53
